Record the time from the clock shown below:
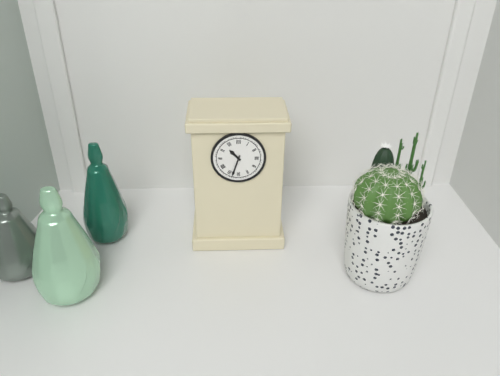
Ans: 10:33
